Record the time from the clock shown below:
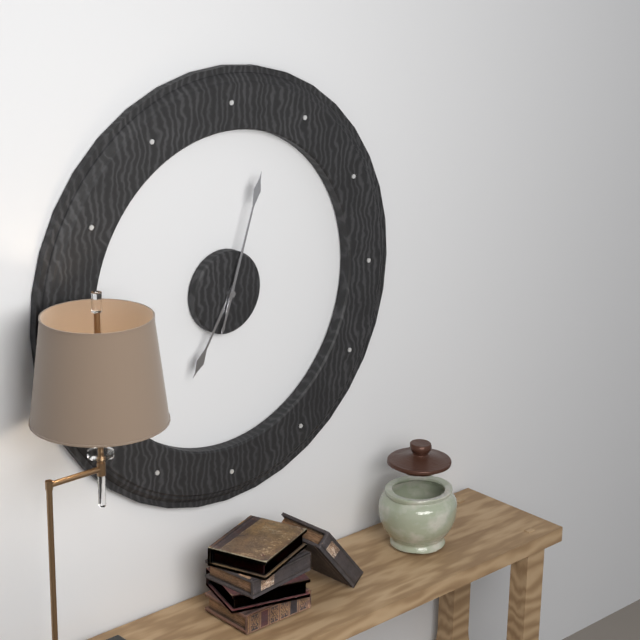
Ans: 7:03
